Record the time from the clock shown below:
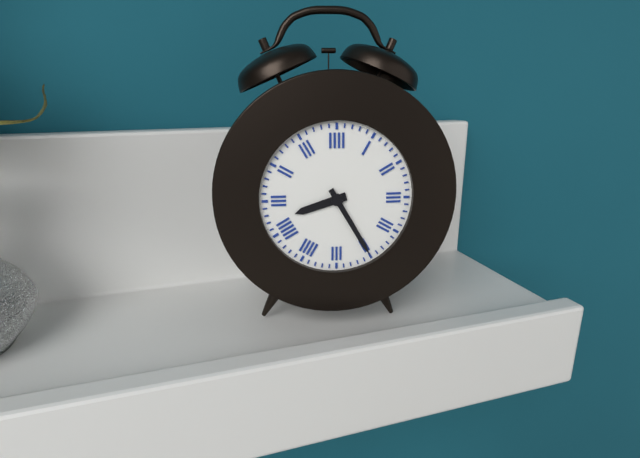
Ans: 8:25
